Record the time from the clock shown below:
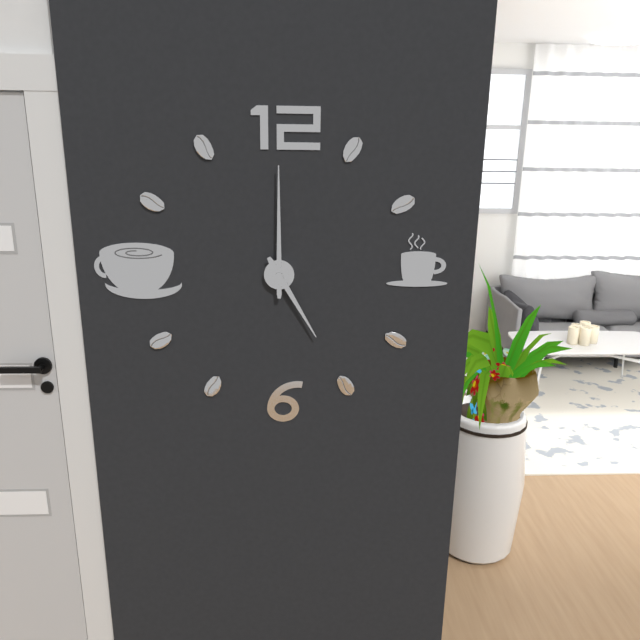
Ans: 5:00
